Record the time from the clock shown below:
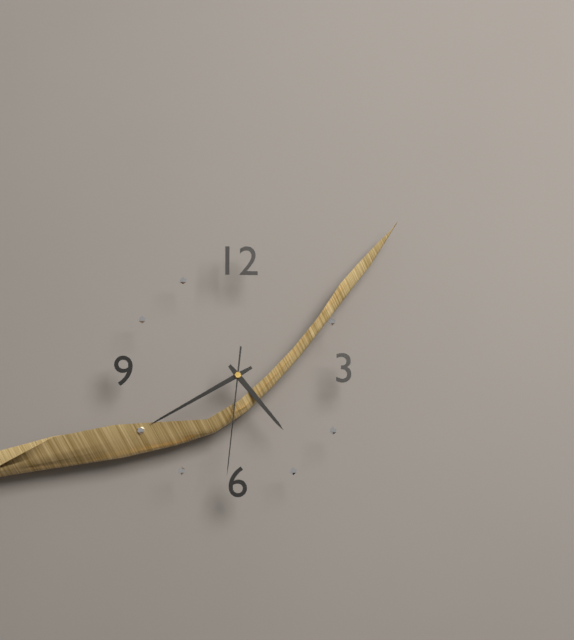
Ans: 4:40:31
